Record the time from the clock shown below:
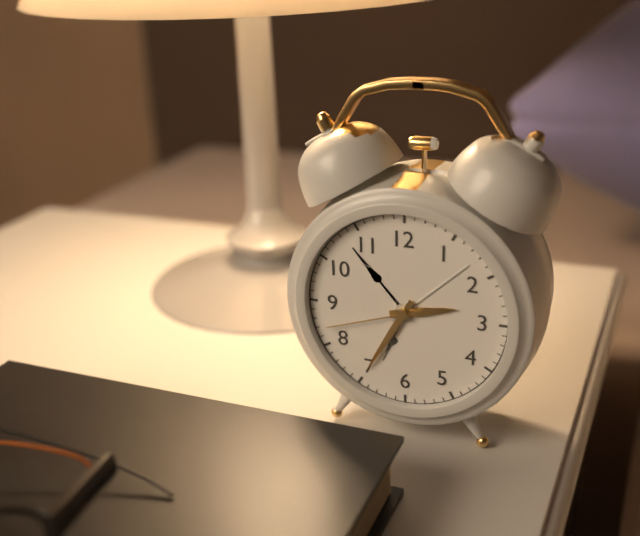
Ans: 2:35:42
